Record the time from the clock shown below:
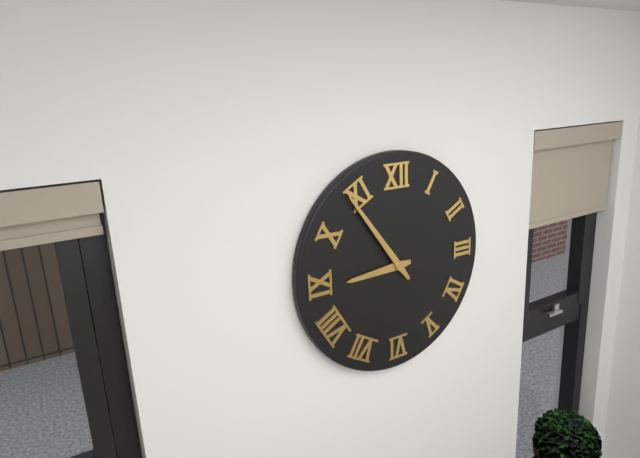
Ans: 8:54
